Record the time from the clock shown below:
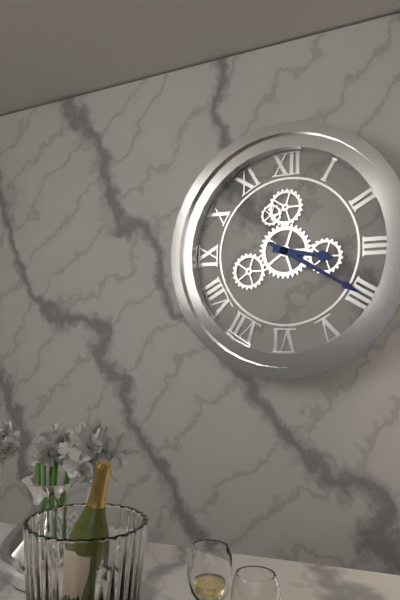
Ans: 3:20
